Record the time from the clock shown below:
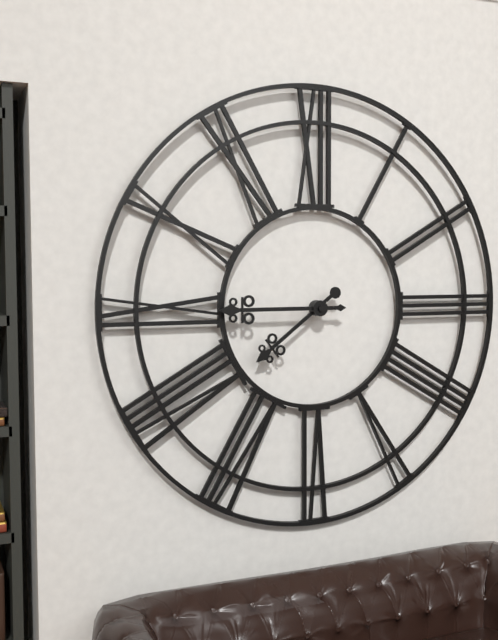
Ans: 7:45
